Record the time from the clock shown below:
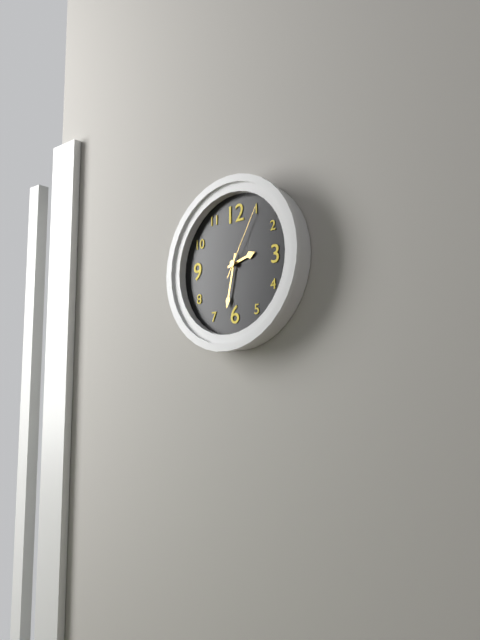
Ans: 2:32:05
